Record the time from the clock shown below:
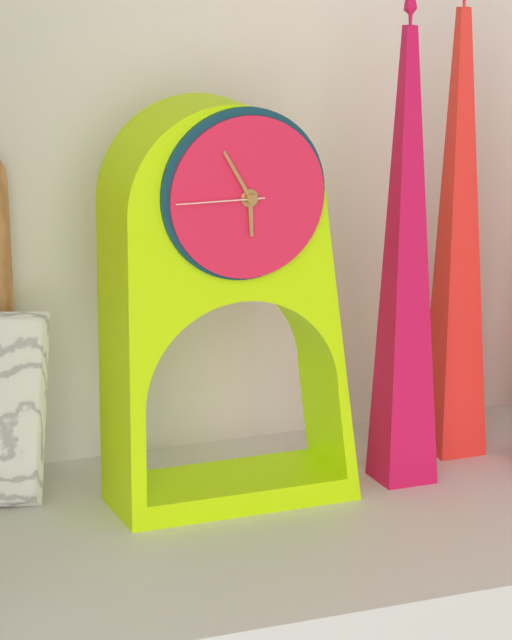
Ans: 5:55:45
